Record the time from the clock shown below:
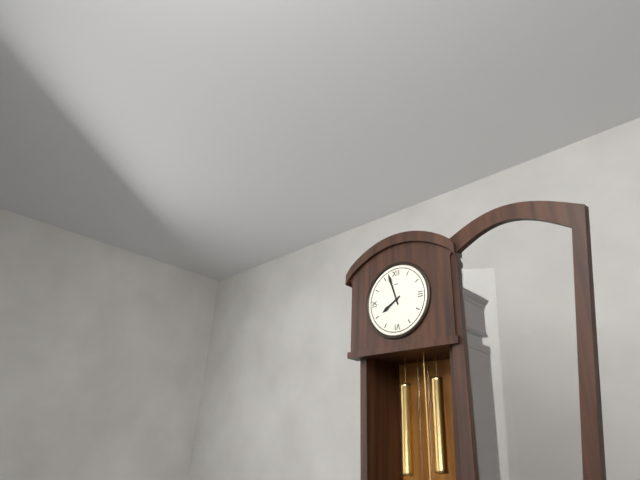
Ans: 7:57
